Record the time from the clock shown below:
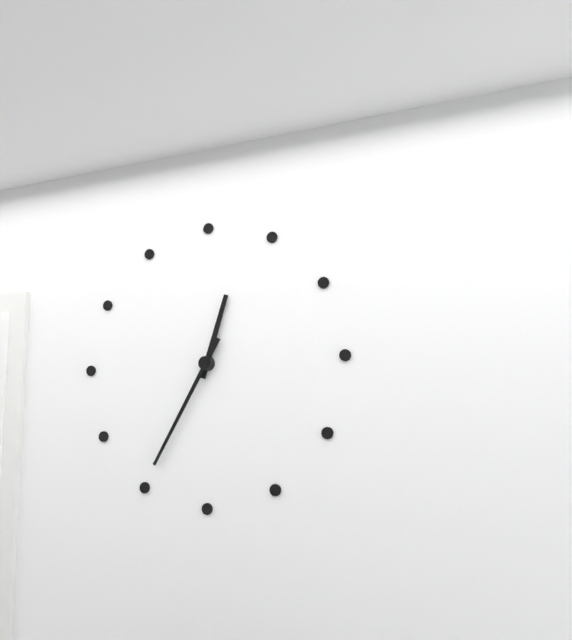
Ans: 12:35
